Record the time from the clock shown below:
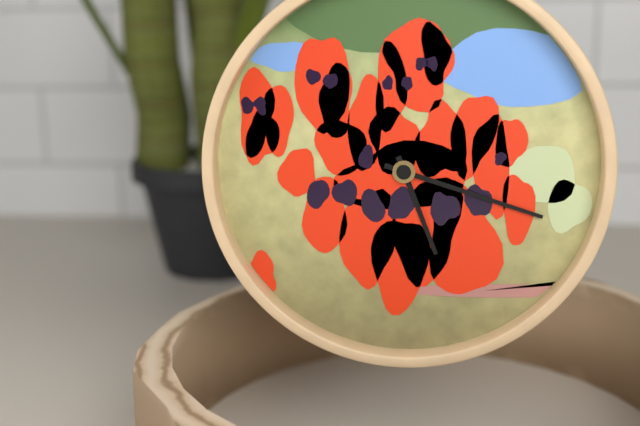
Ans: 5:18
